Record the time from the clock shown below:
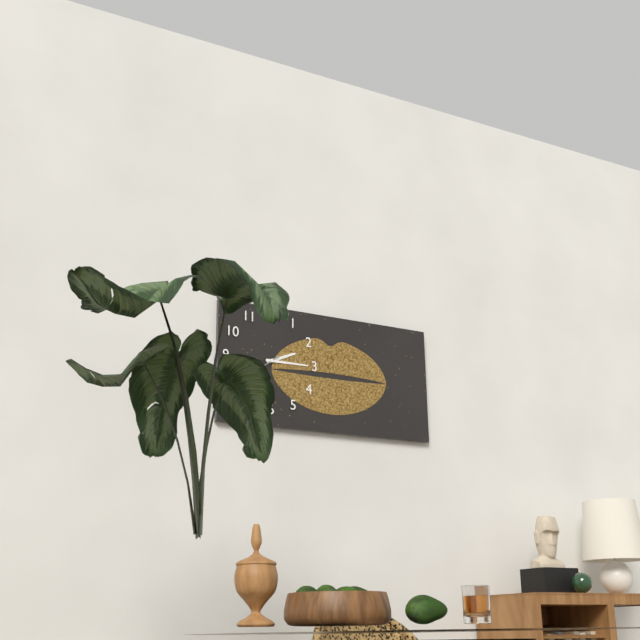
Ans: 2:15
